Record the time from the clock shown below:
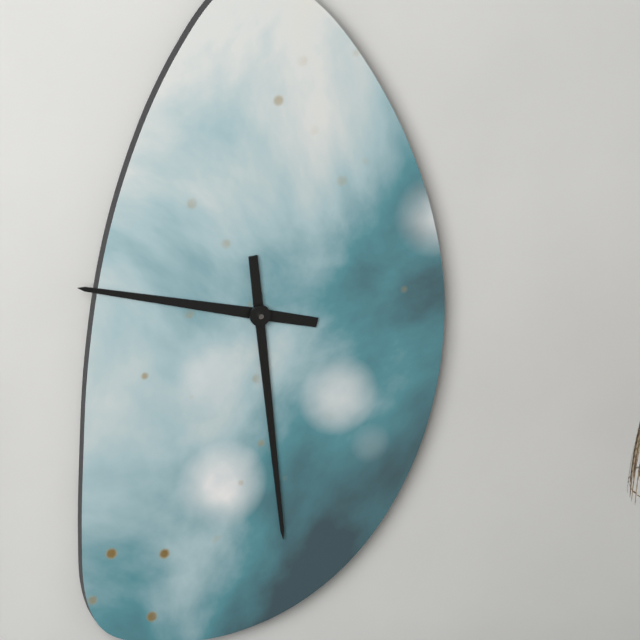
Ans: 9:29
